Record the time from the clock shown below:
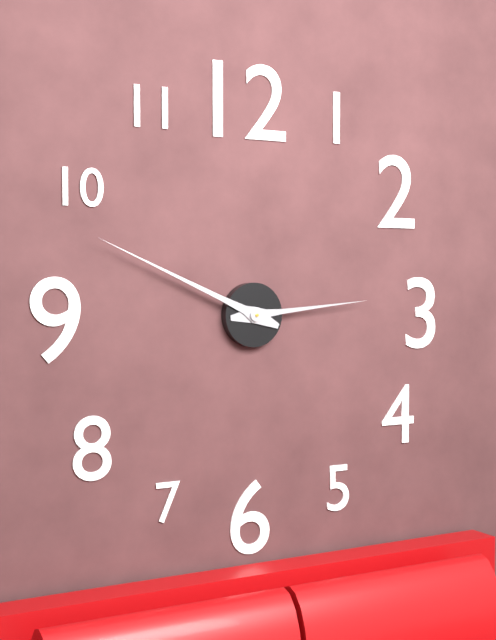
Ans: 2:49
